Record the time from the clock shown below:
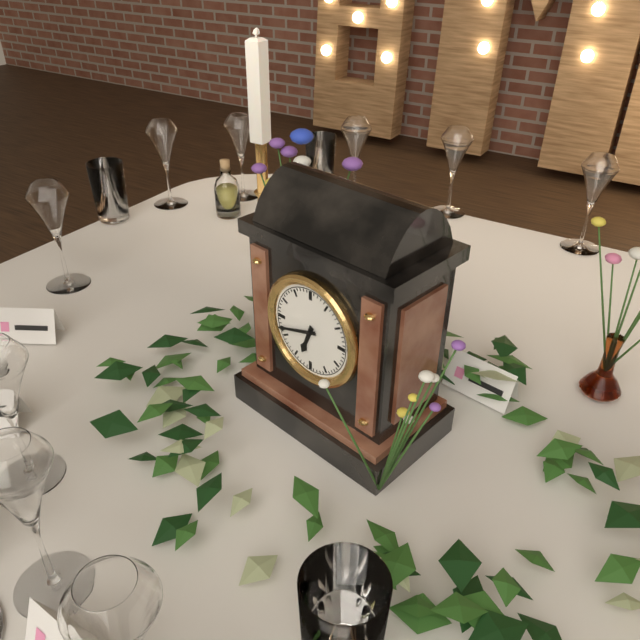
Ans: 6:42
